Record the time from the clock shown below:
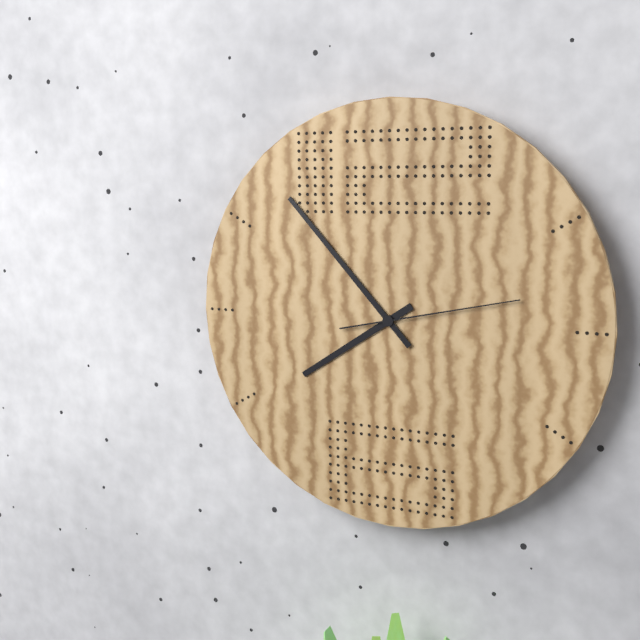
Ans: 7:53:13
